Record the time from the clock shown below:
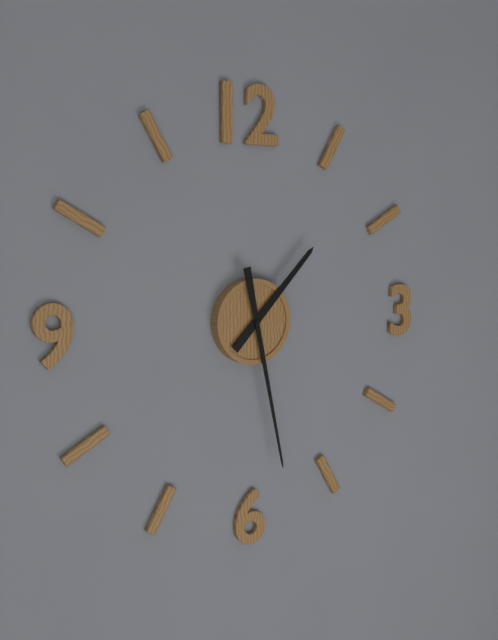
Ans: 1:28
